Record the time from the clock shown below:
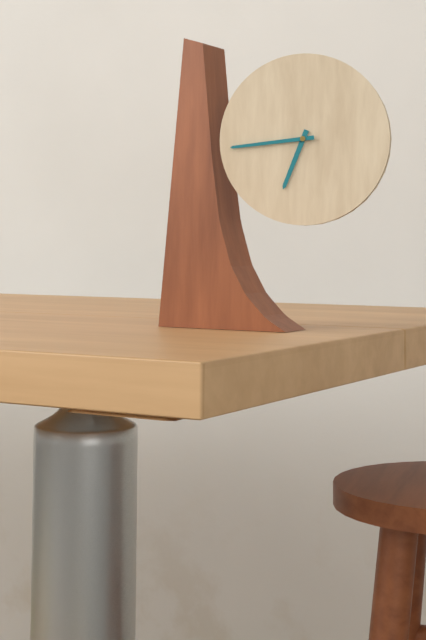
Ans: 6:44
